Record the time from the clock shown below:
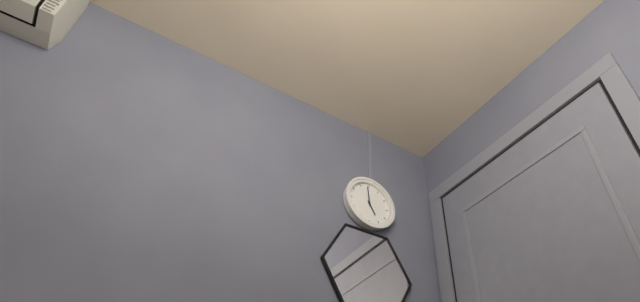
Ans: 4:59
